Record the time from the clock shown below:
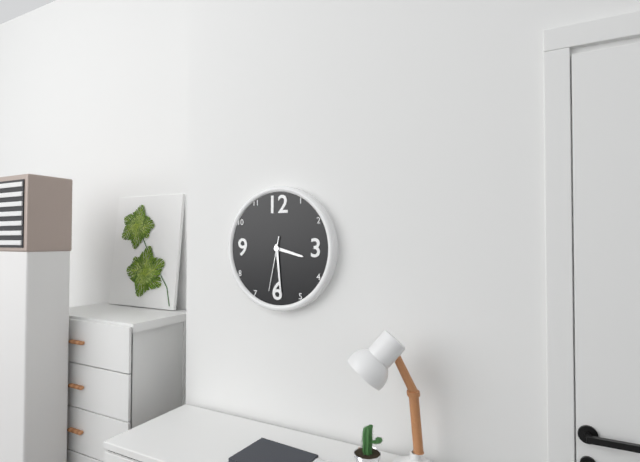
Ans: 3:29:32
